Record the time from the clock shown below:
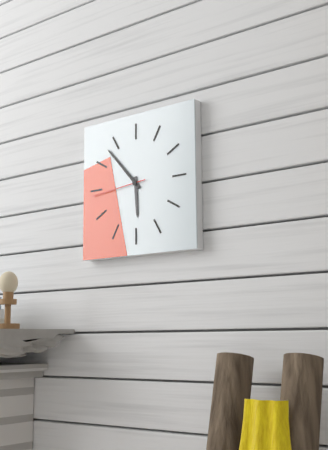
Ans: 5:53:44
